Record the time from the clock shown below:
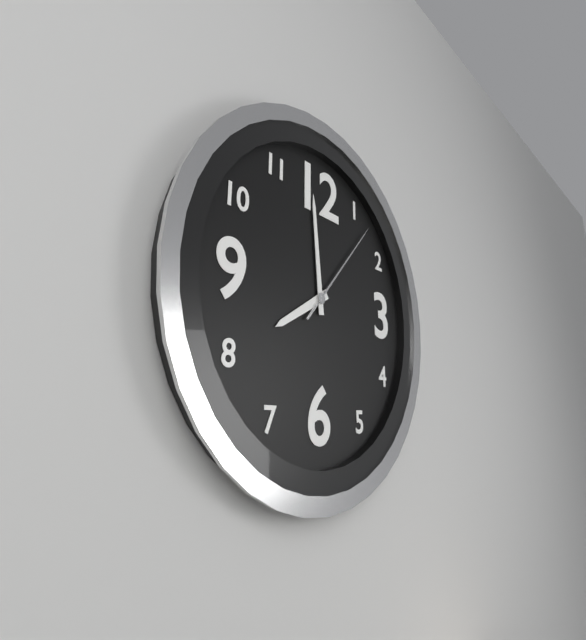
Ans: 7:59:07
